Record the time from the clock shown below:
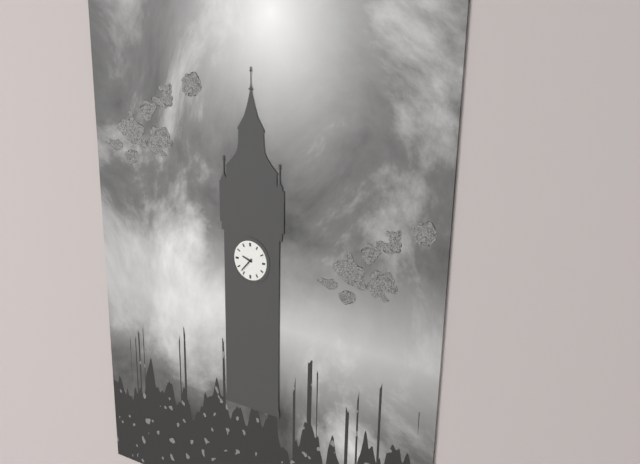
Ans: 9:37
